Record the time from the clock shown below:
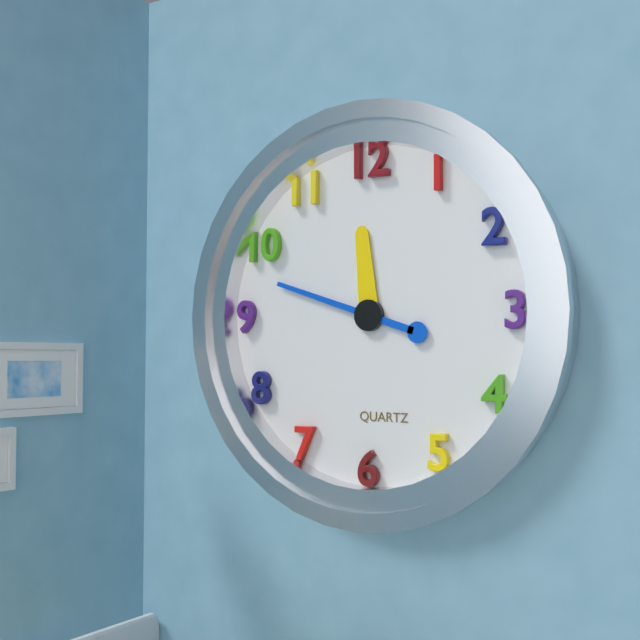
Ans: 11:48
